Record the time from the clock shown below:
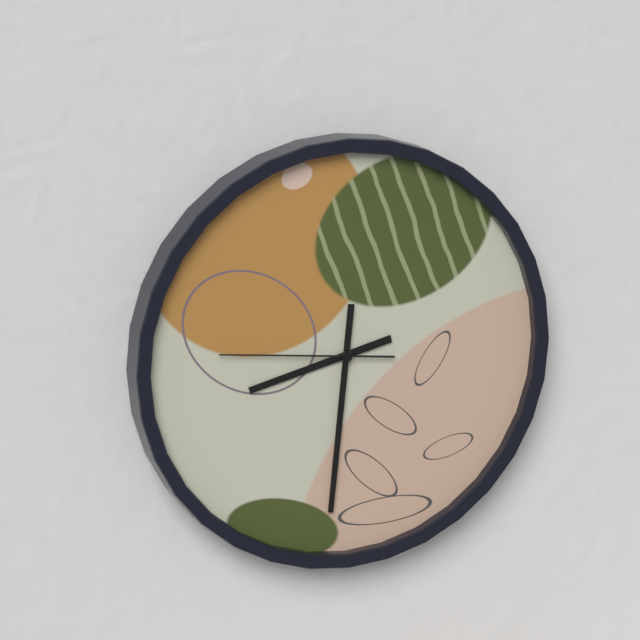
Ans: 8:31:46
